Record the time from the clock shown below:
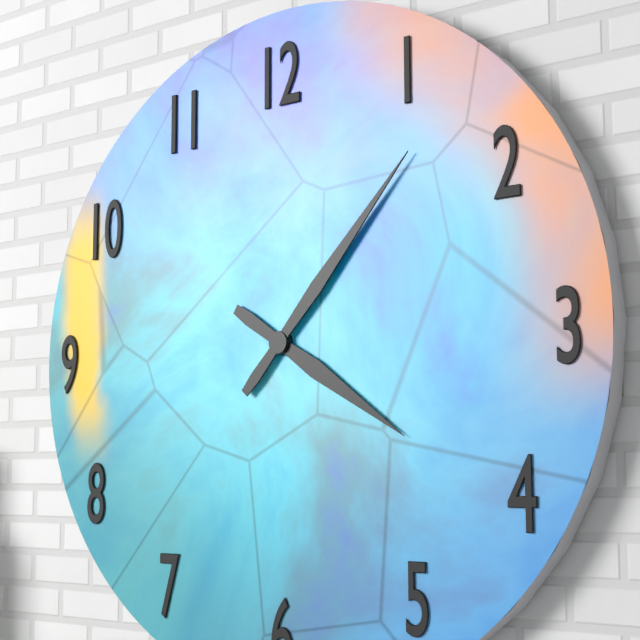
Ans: 4:07
